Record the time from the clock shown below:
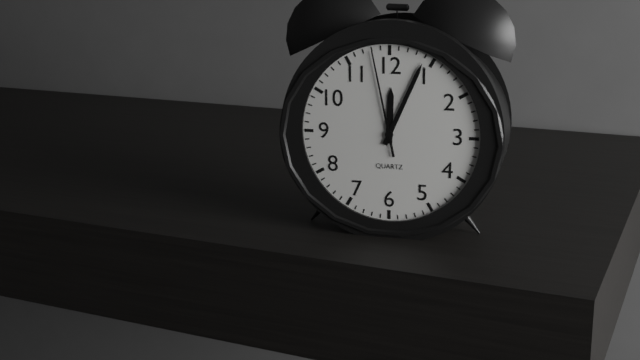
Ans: 12:04:58
